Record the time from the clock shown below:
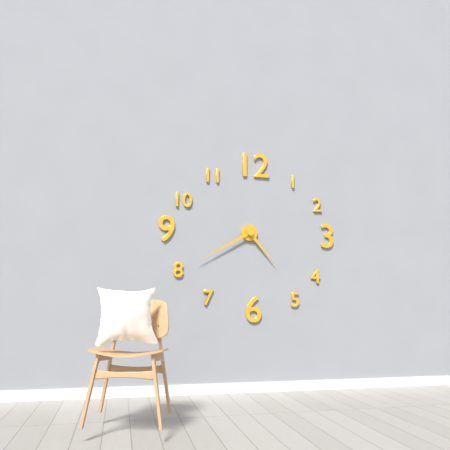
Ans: 4:40
